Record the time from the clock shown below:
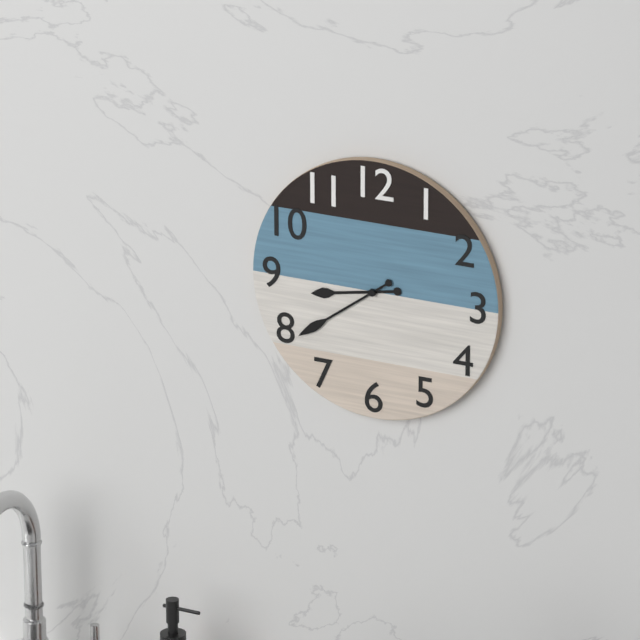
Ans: 8:39
